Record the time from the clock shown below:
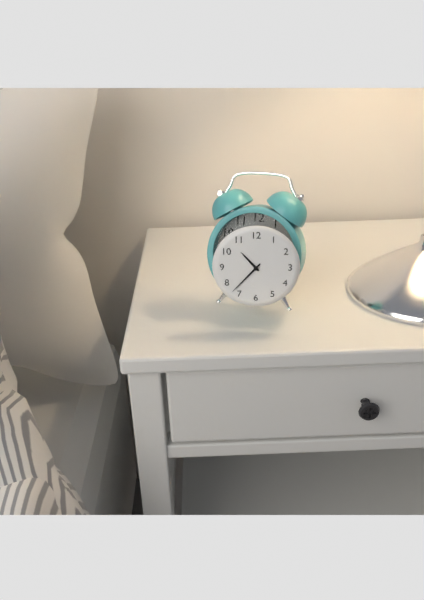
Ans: 10:37
